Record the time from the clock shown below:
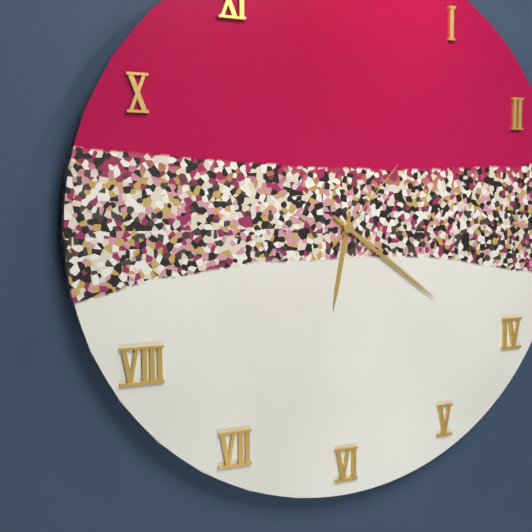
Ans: 6:21:07
